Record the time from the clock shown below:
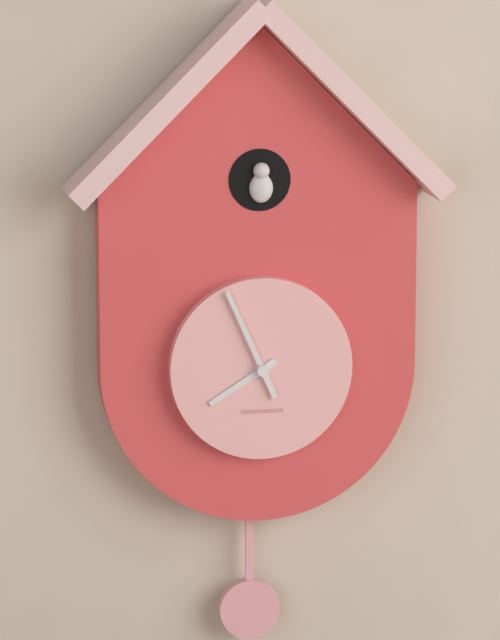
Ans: 7:56
